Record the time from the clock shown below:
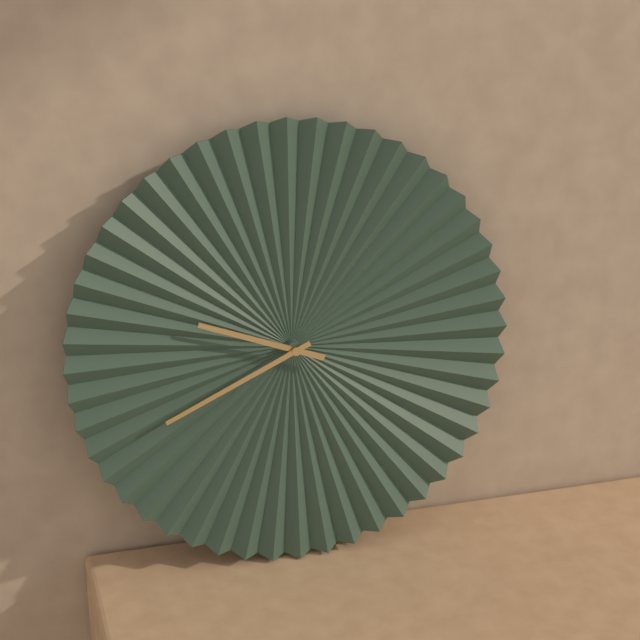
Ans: 9:41
